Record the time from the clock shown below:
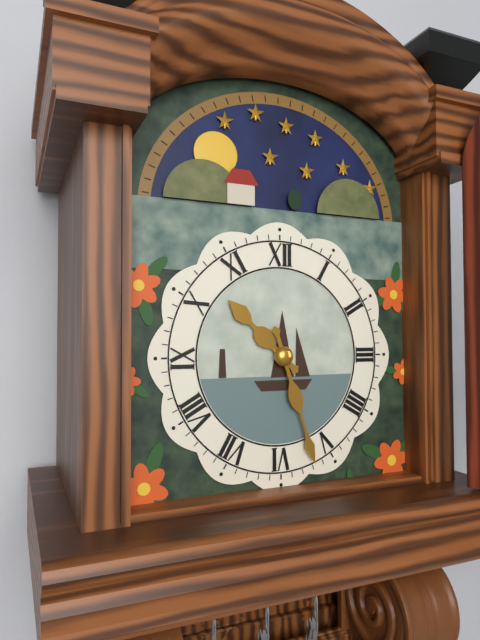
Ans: 10:27
